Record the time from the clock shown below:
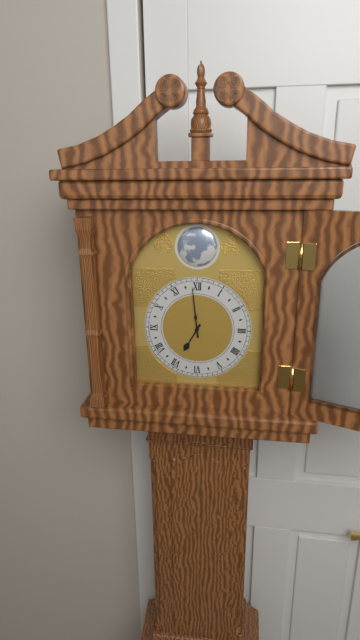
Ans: 6:59
